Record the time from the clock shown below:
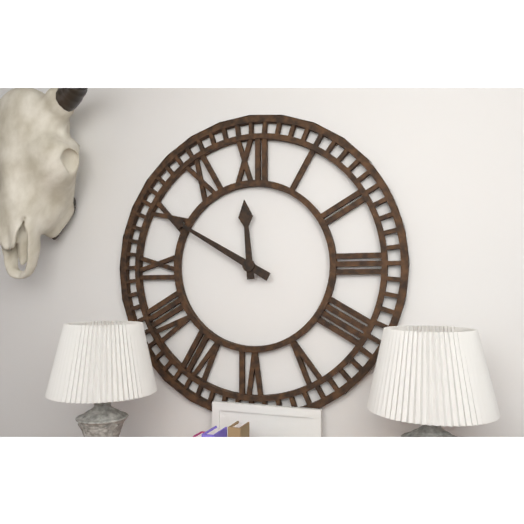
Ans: 11:50
